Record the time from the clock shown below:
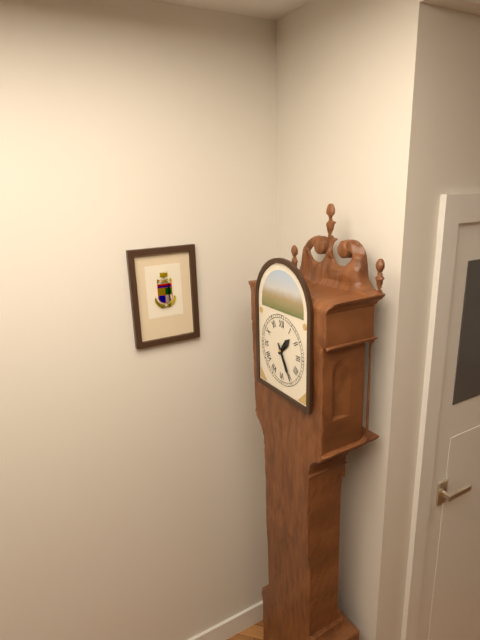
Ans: 1:25
